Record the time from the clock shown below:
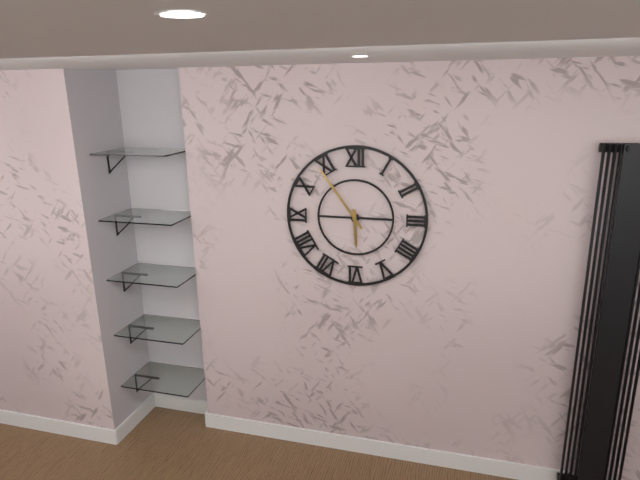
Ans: 5:54
